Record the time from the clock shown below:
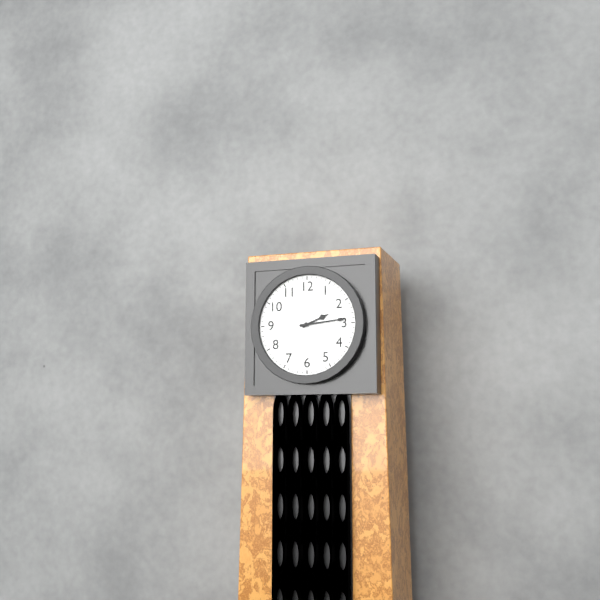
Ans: 2:14
